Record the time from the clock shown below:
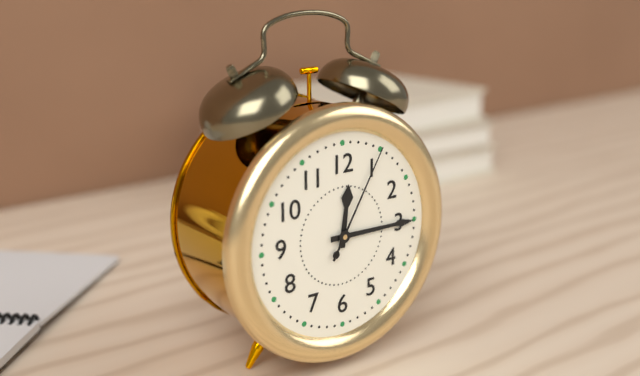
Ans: 12:15:05
